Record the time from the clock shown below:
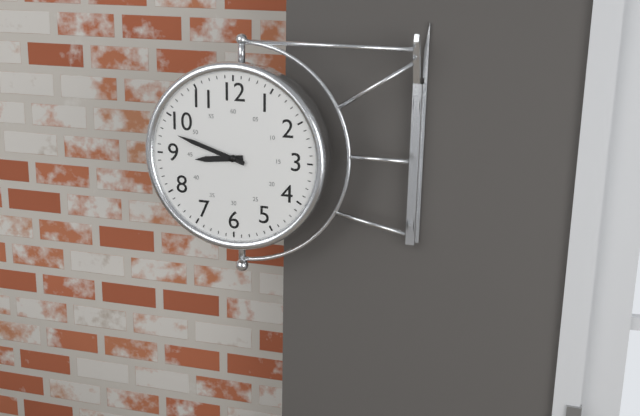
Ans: 8:48
